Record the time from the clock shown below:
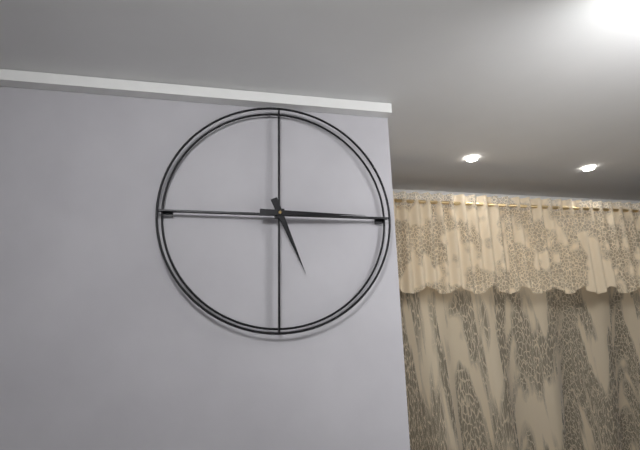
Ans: 5:15
